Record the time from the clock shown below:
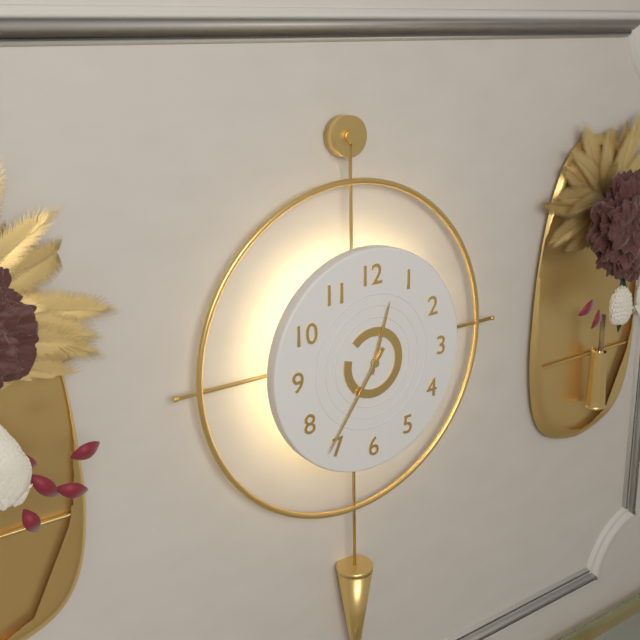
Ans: 12:36
